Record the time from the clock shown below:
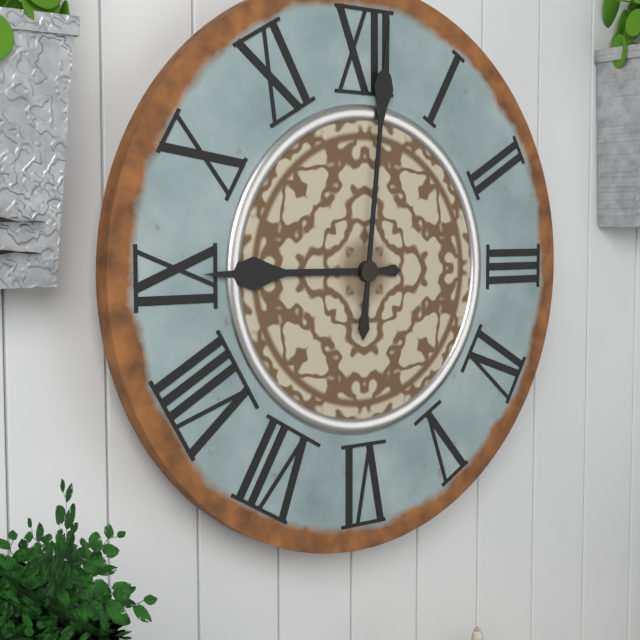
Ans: 9:01
